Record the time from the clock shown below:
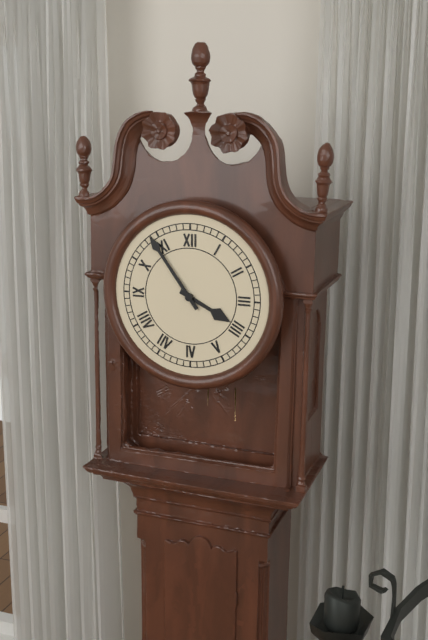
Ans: 3:54
